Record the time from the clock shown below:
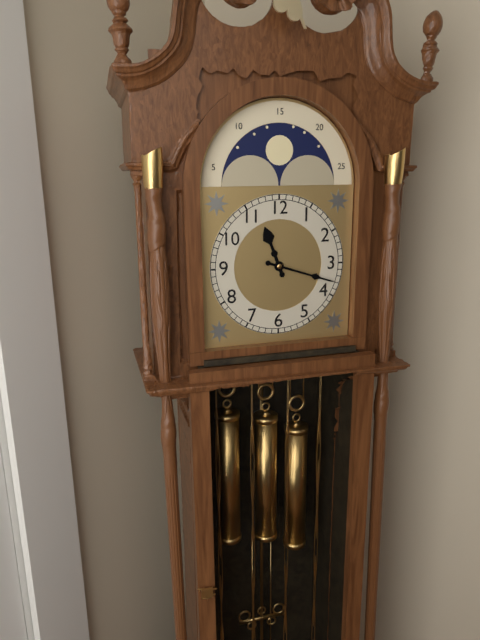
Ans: 11:18
